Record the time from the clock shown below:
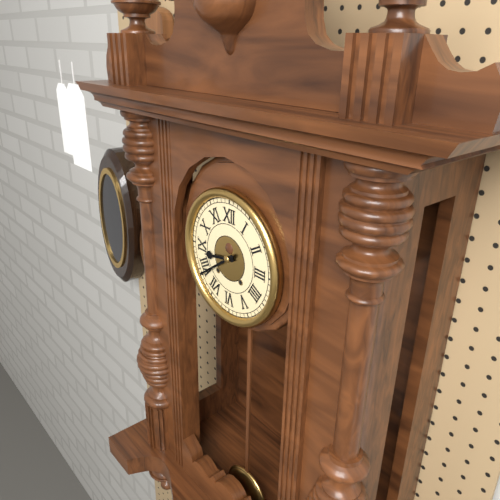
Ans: 8:39
